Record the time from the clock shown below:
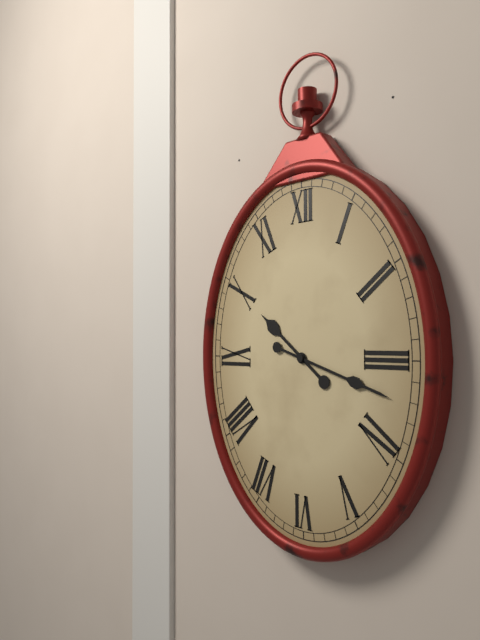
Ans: 10:18
